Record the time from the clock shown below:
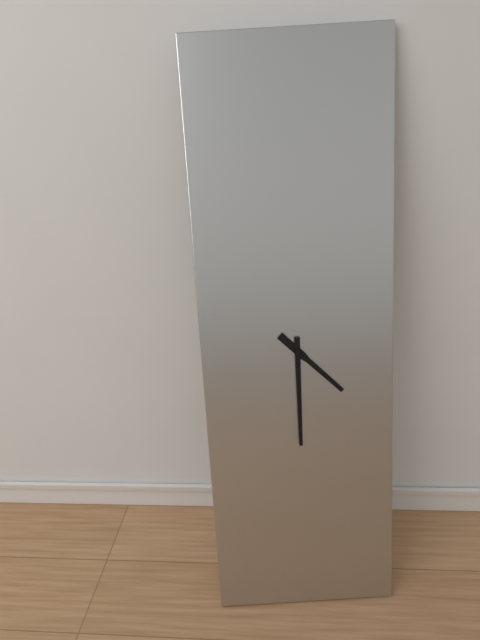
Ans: 4:30
